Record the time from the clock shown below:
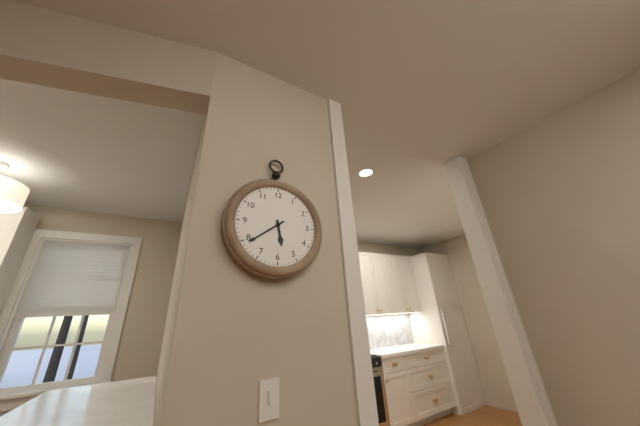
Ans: 5:39
